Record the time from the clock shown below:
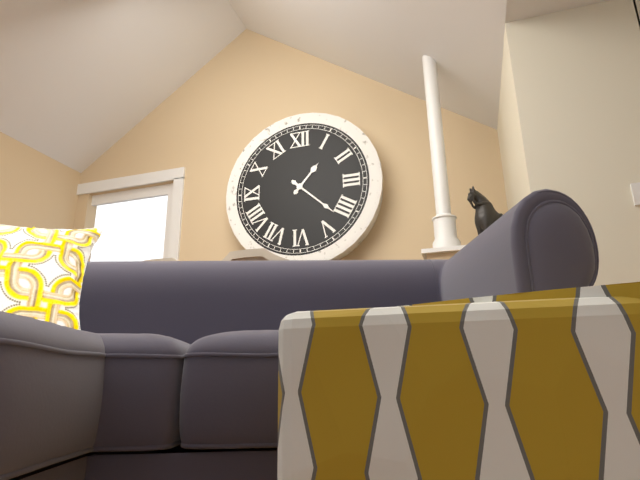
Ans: 1:22
